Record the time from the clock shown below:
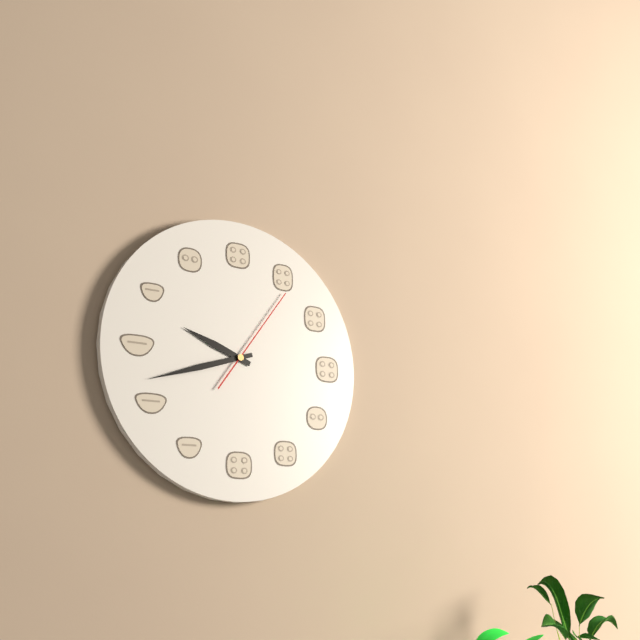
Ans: 9:42:06
